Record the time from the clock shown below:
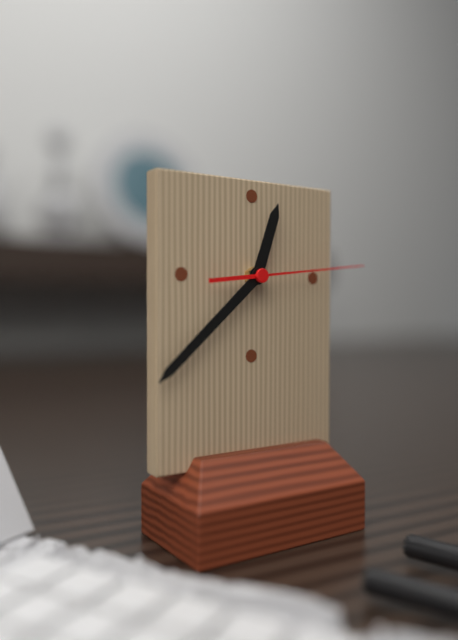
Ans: 12:38:14
